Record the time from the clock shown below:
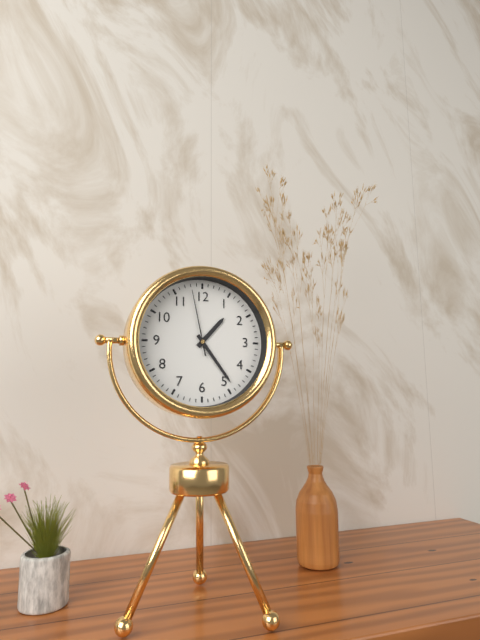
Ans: 1:24:58
